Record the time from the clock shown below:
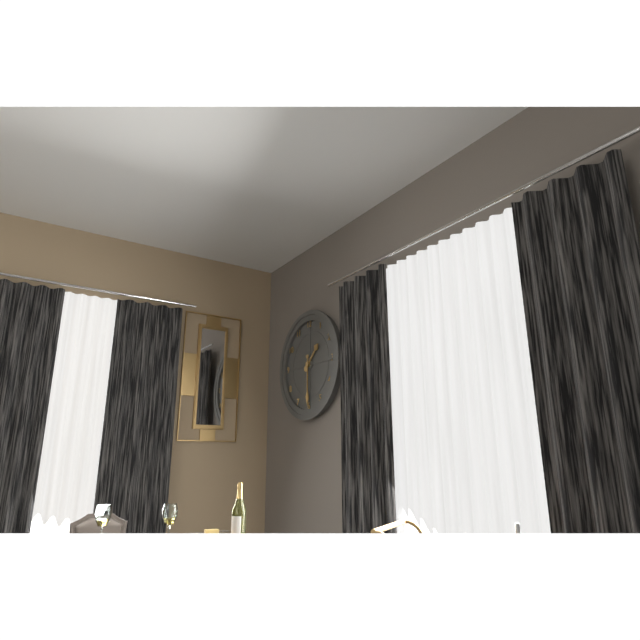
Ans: 1:30
